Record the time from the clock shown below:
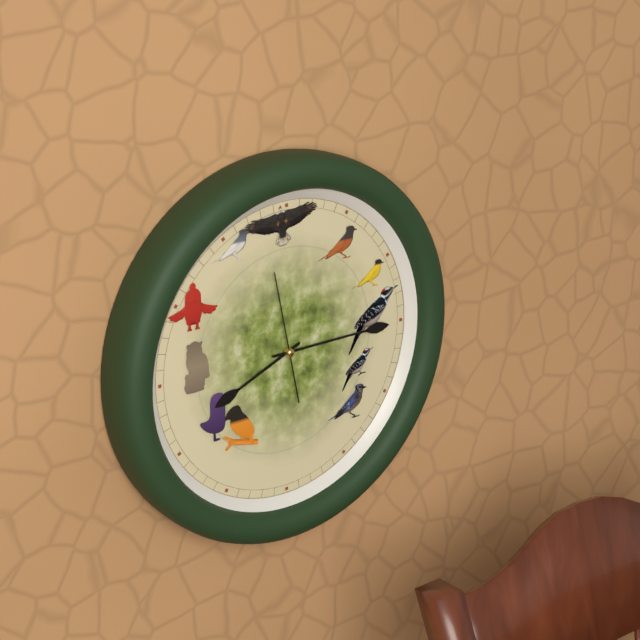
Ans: 8:15:58
